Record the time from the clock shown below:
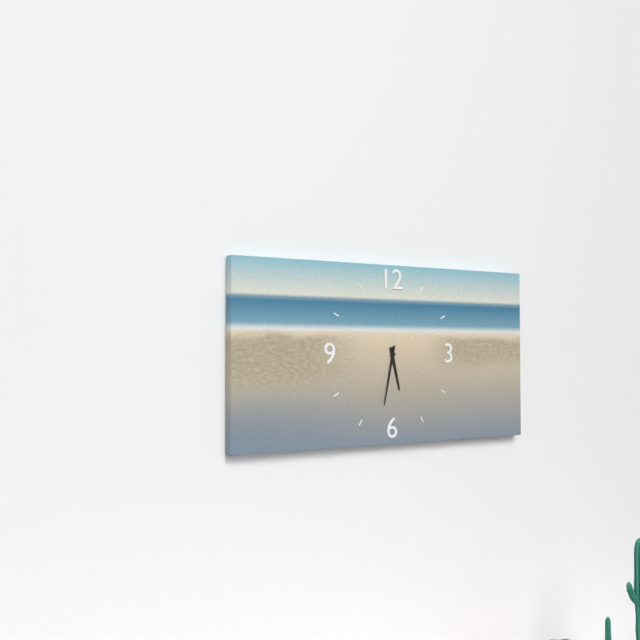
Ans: 5:32
